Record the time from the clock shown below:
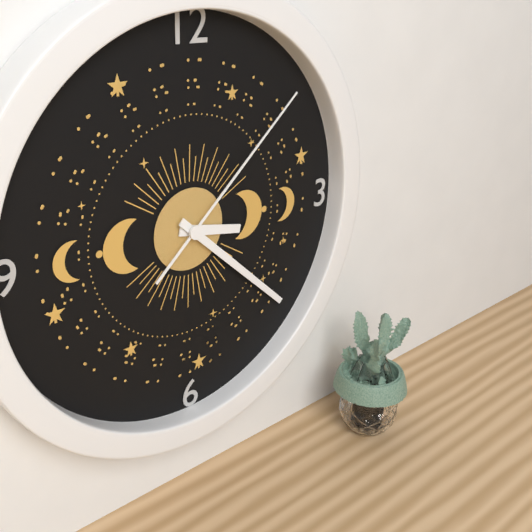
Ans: 3:22:08
